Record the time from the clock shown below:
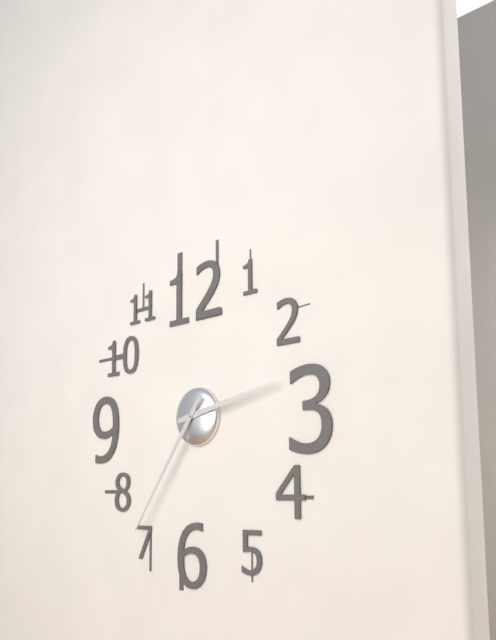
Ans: 2:36
